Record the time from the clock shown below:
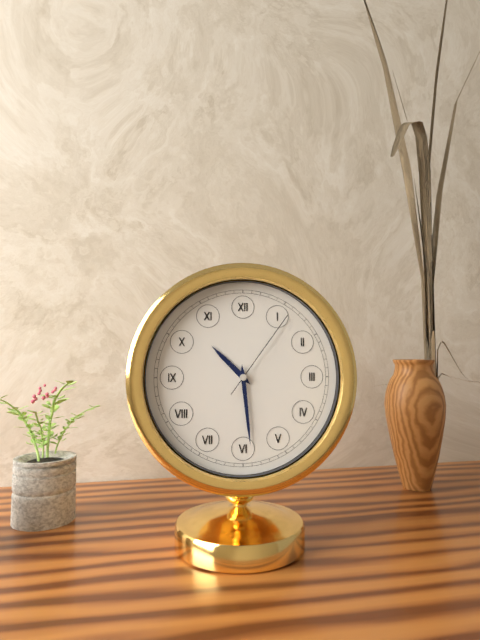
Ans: 10:29:06
